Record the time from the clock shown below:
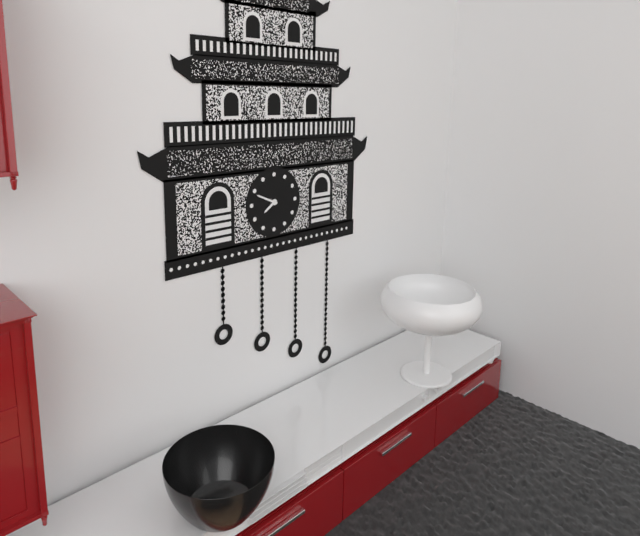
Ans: 7:49
